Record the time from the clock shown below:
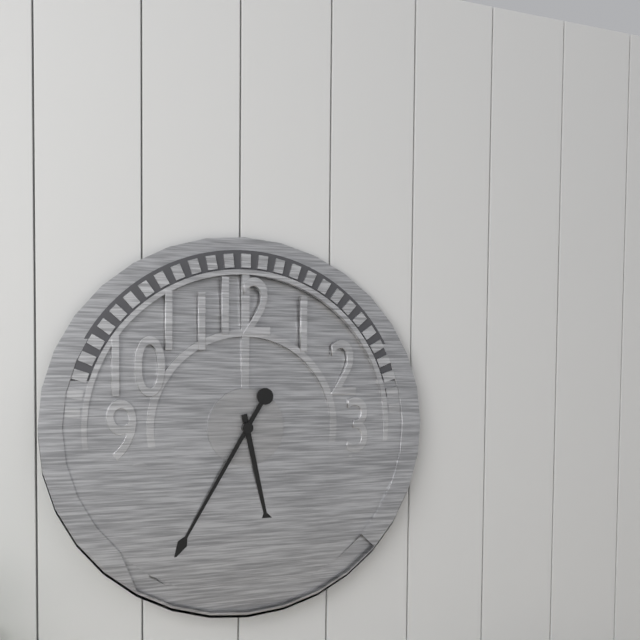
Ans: 5:35
